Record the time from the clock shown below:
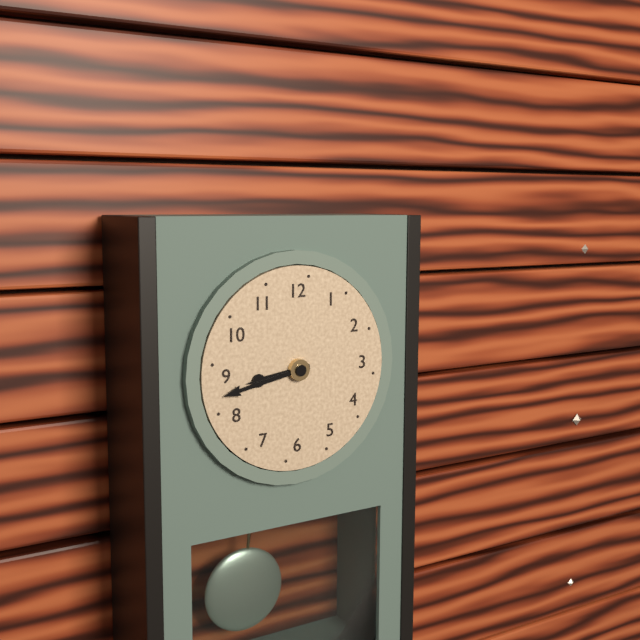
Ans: 8:43
